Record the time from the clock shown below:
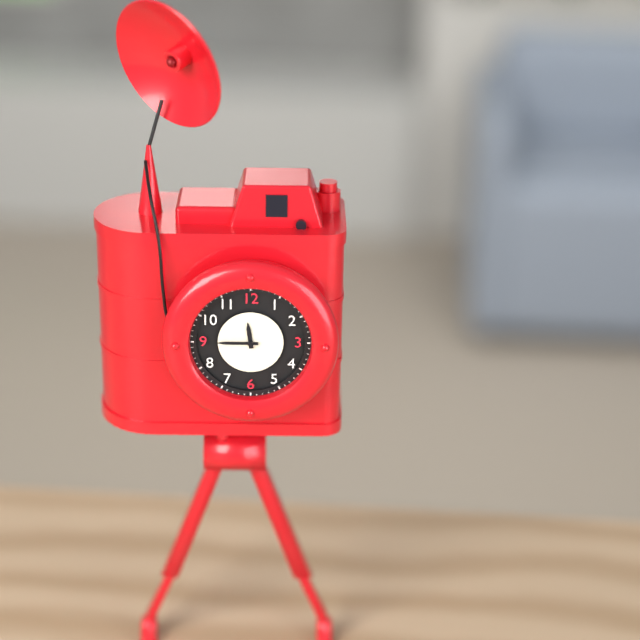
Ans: 11:45
